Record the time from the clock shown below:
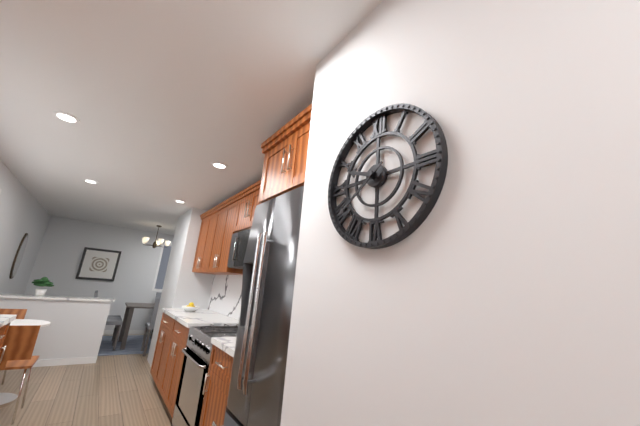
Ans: 9:39
